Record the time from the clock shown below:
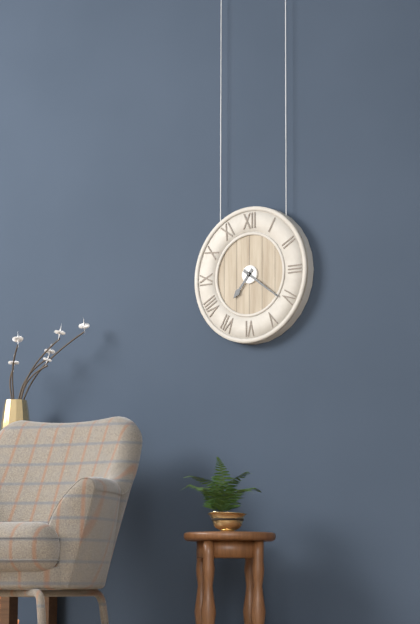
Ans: 7:21
